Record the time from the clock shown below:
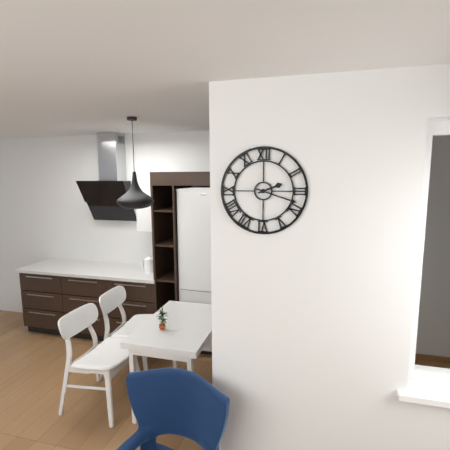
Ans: 2:18
